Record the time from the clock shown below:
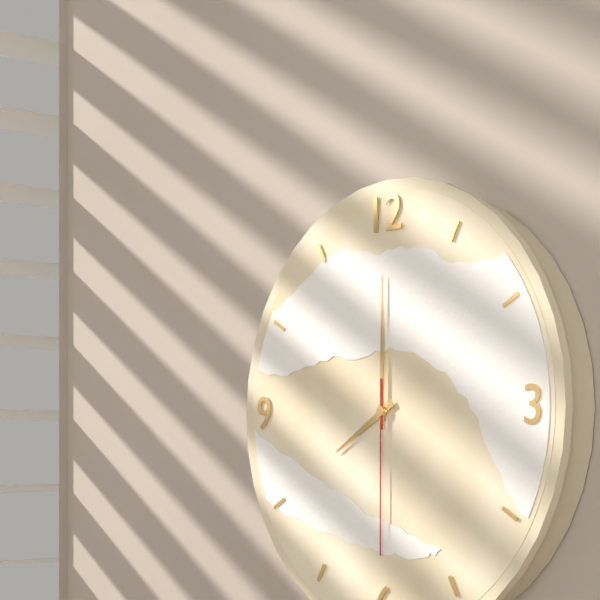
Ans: 8:00:30
